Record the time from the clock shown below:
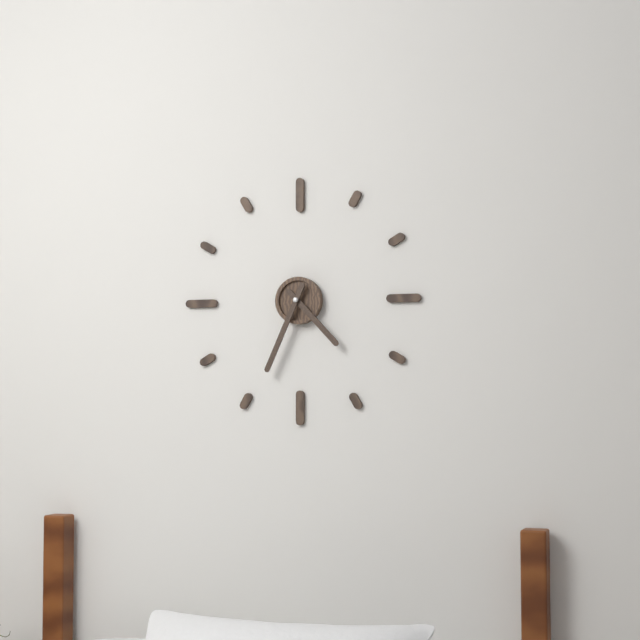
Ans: 4:34
